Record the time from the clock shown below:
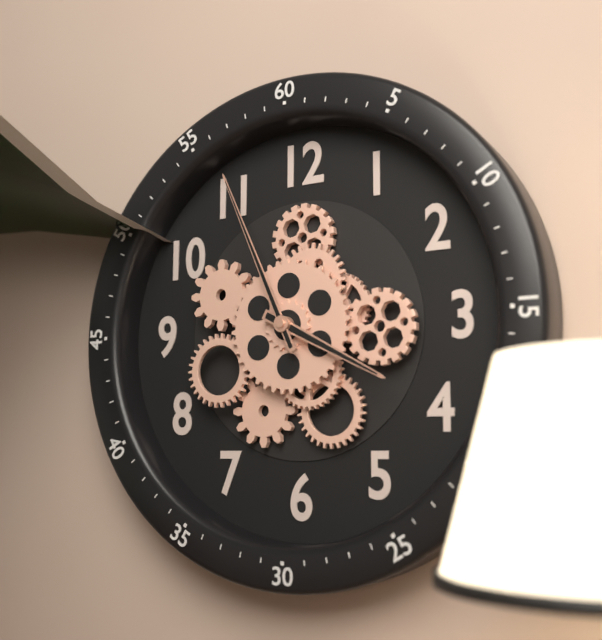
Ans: 3:56
